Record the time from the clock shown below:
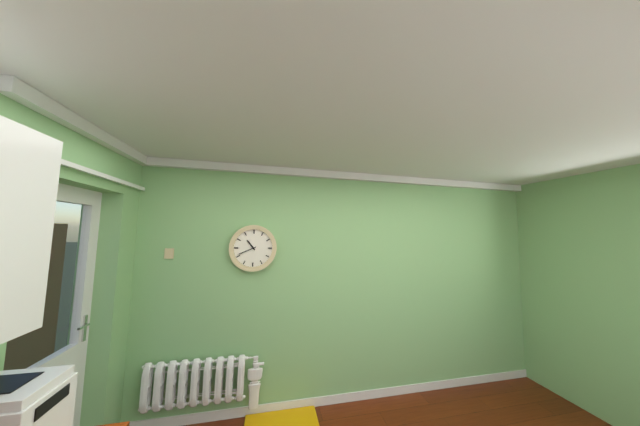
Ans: 10:41
